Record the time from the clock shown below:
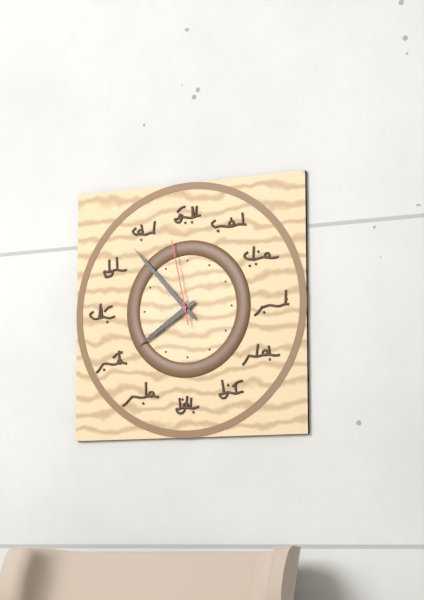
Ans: 7:53:58
